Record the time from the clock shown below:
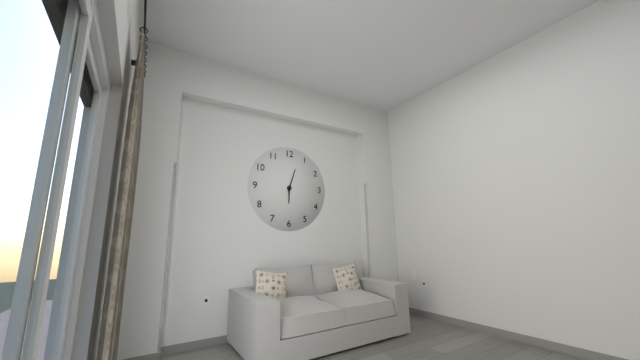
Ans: 6:03
